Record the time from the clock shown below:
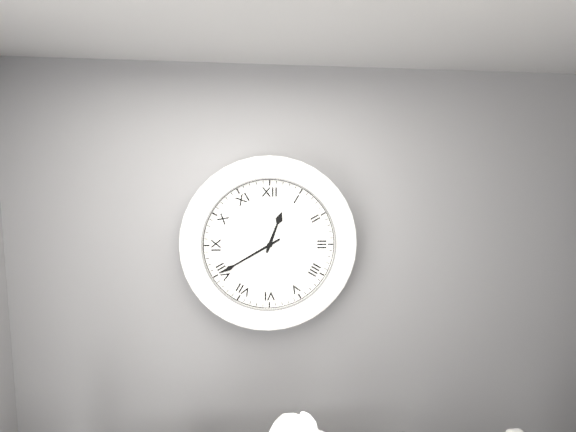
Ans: 12:40
